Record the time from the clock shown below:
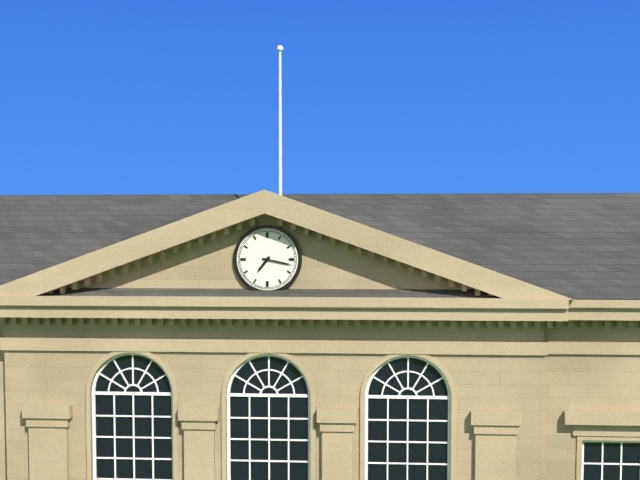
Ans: 7:17
